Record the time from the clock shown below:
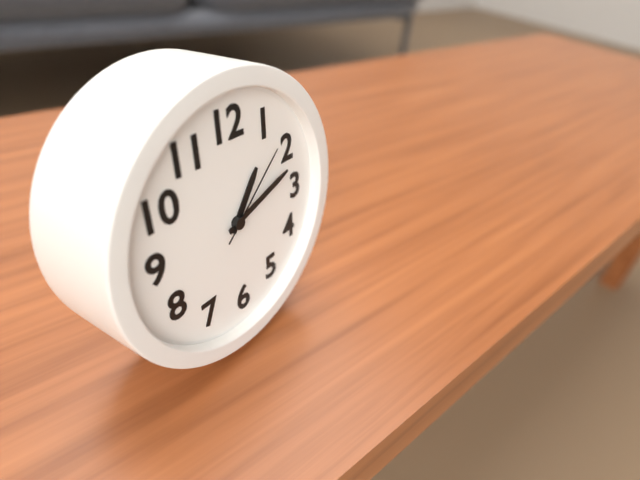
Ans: 1:12:08
